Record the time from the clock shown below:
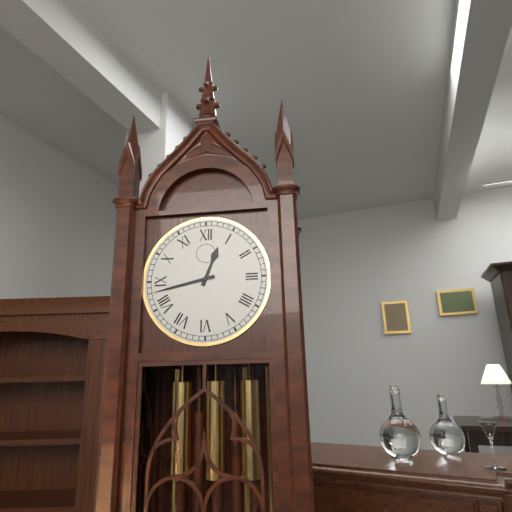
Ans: 12:43
